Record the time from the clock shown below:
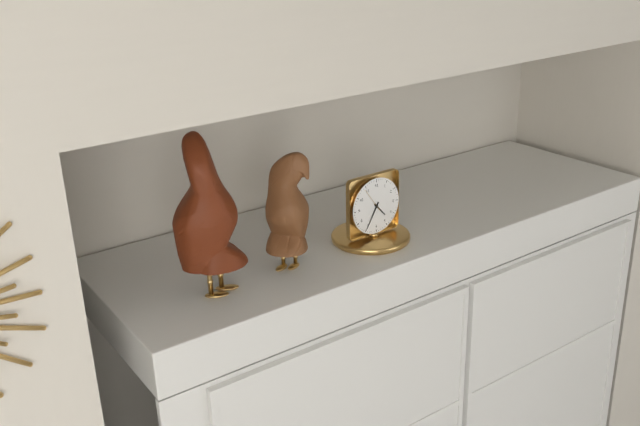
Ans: 4:35
